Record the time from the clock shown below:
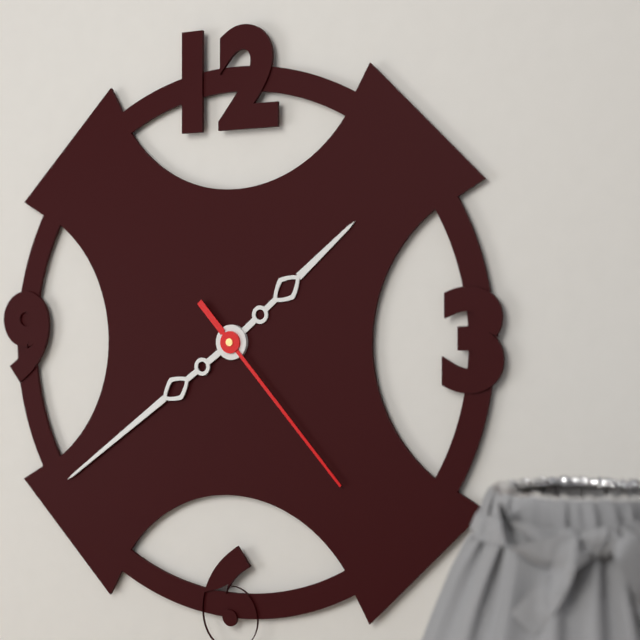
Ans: 1:39:23
